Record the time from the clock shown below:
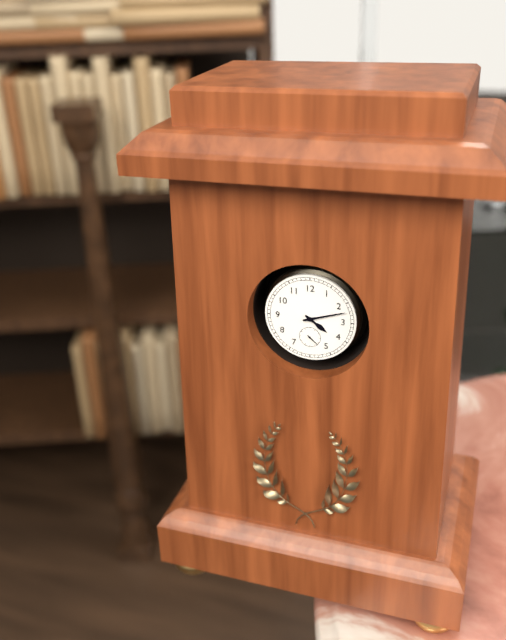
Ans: 4:12
